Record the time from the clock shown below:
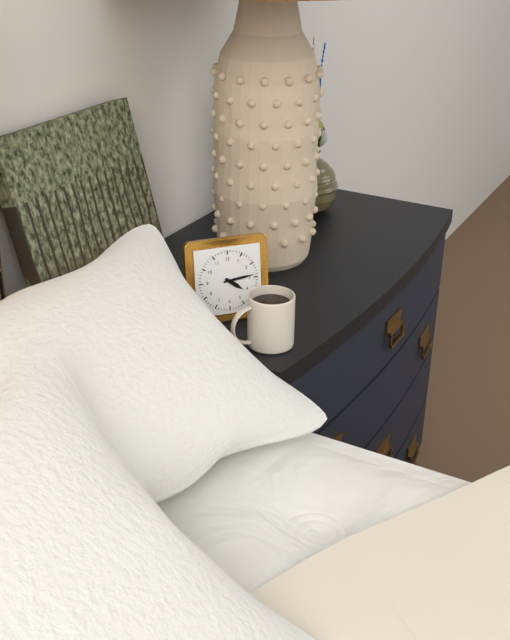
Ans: 4:14
